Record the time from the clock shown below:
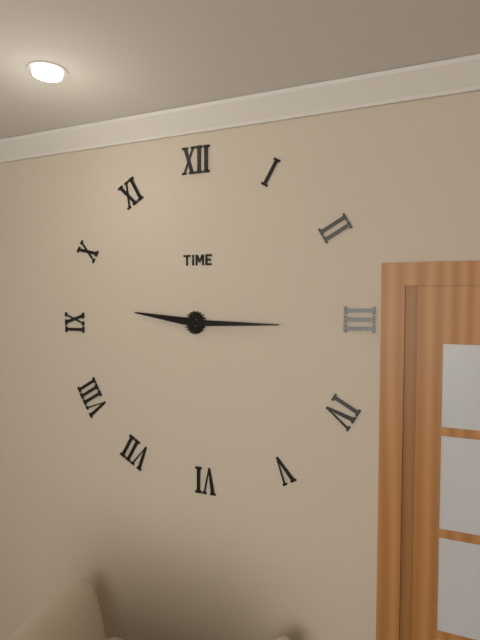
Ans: 9:15
